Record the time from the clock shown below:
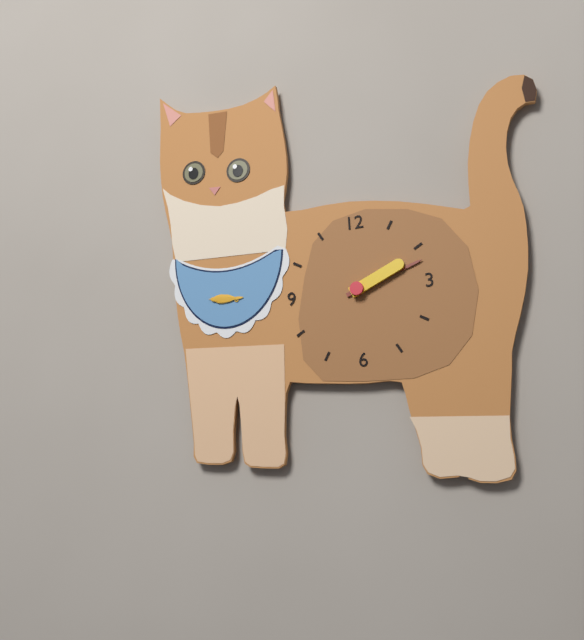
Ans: 2:12
